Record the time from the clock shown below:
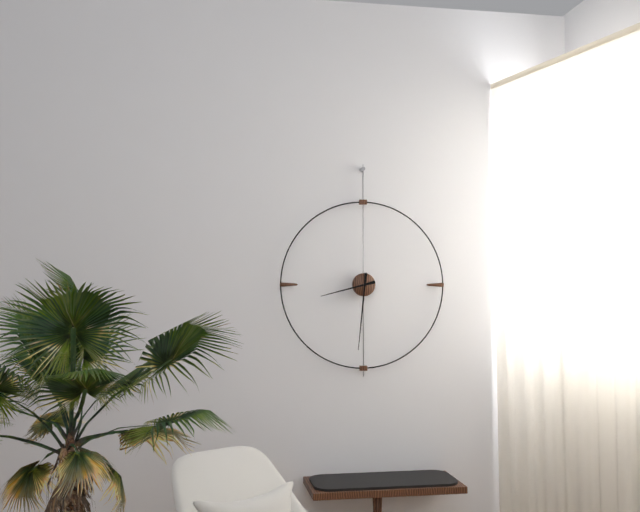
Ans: 8:31
